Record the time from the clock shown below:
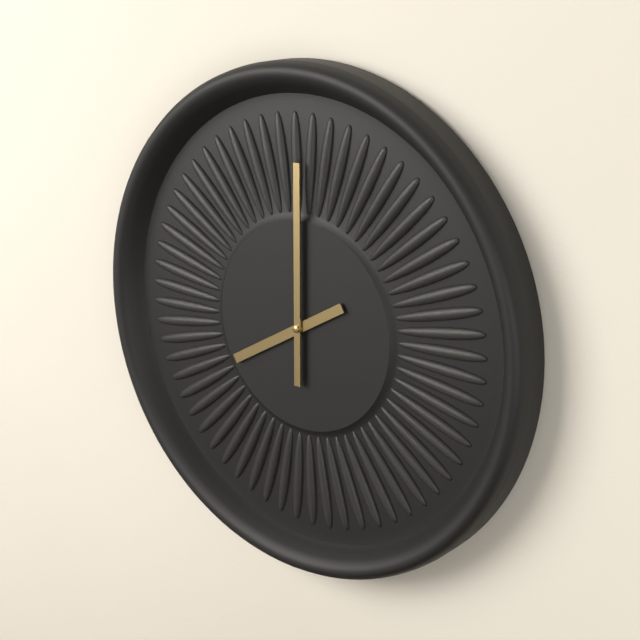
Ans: 8:00
